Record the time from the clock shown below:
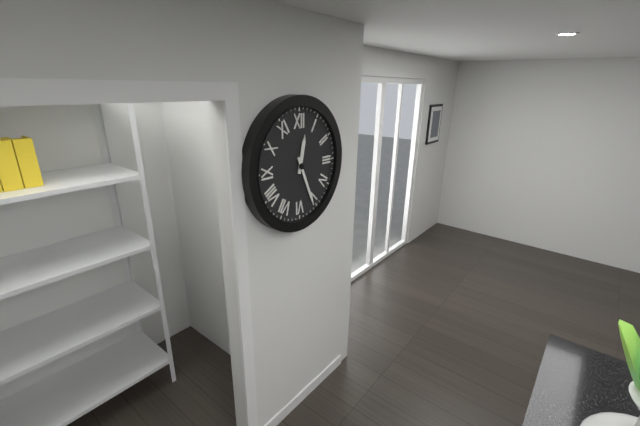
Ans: 12:26
